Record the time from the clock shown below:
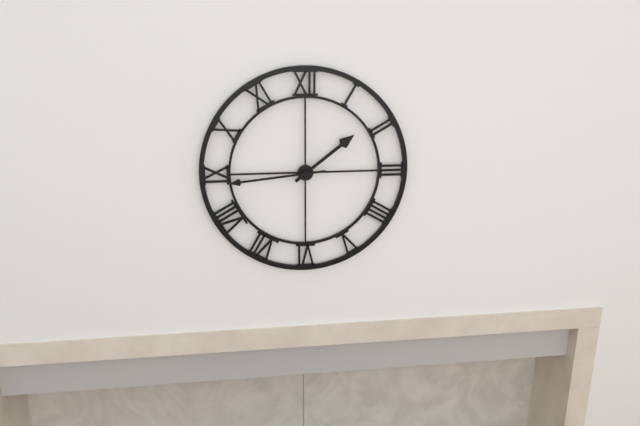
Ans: 1:44
